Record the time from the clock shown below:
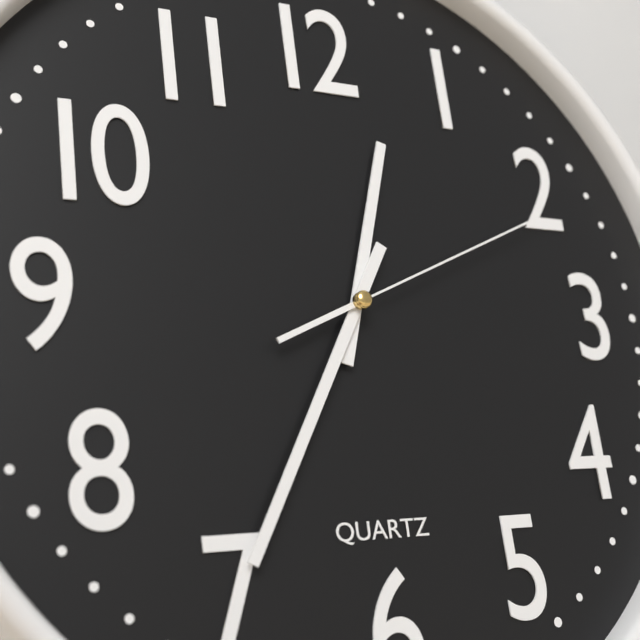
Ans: 12:35:11
